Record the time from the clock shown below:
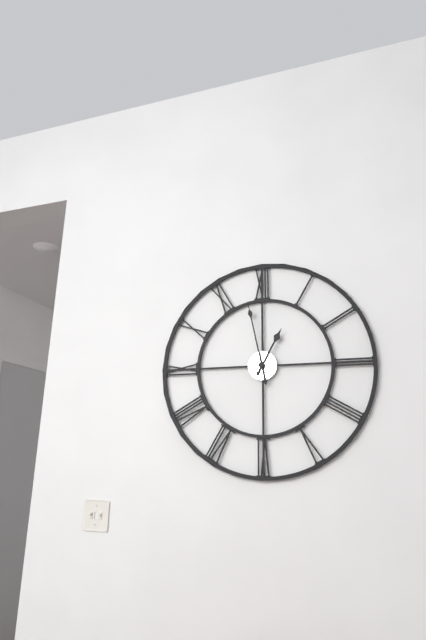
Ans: 12:58
